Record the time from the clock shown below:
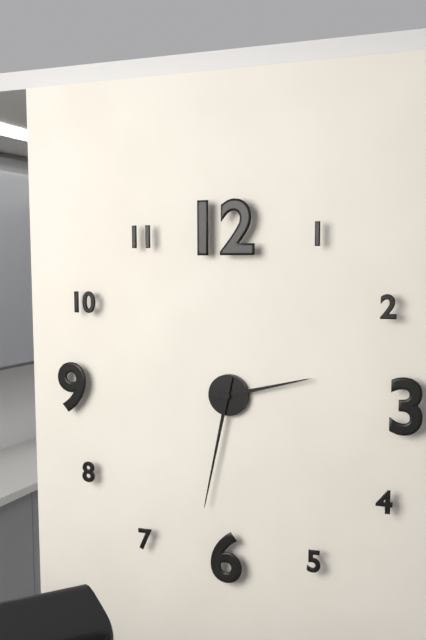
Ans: 2:32
